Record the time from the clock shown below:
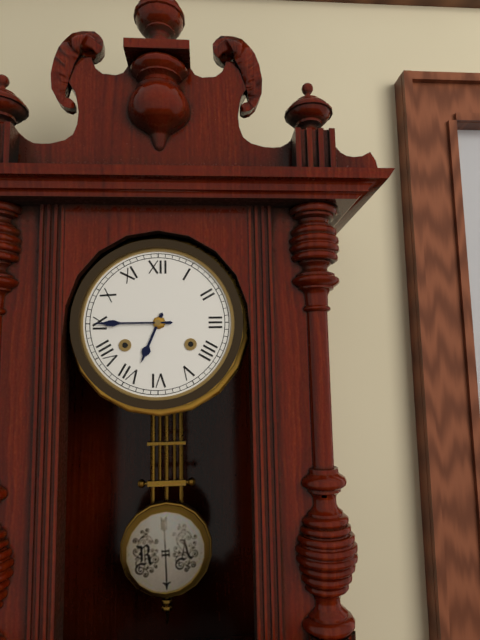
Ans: 6:45
